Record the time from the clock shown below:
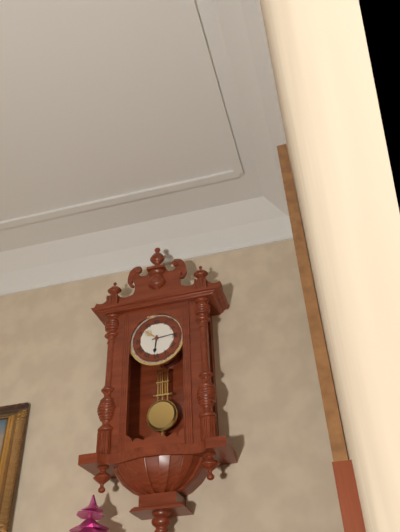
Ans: 6:14
